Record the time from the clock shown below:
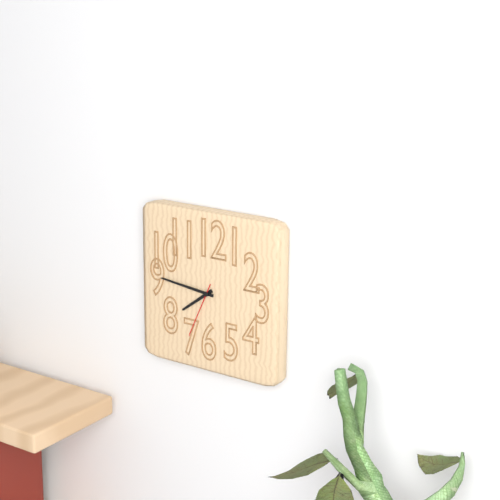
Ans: 7:46:34
